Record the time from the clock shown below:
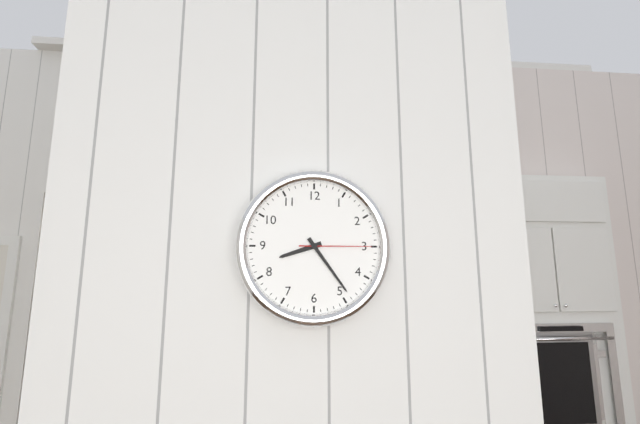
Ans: 8:24:15
